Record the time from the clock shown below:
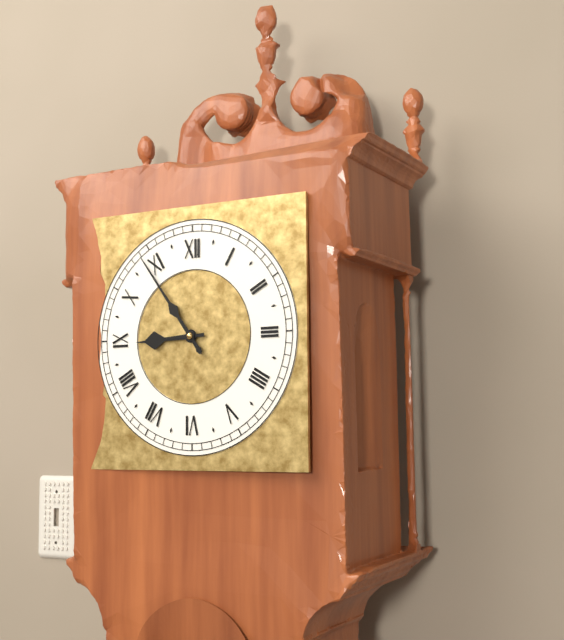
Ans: 8:54
